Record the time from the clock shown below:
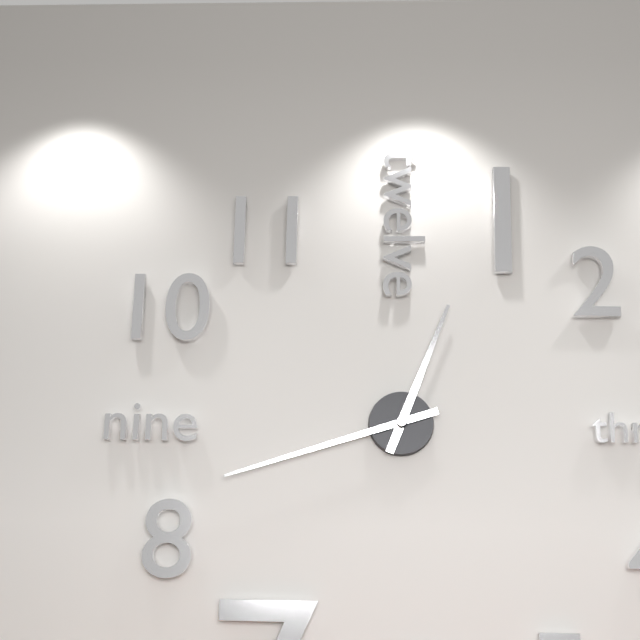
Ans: 12:42
